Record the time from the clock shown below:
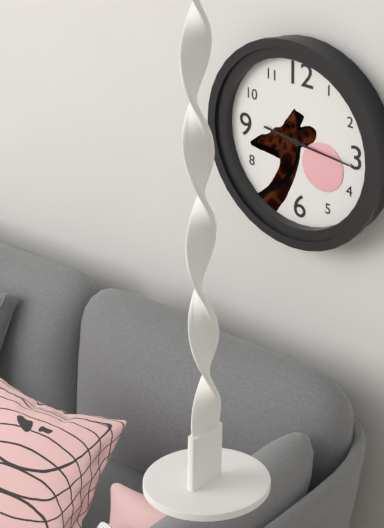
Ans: 9:16
